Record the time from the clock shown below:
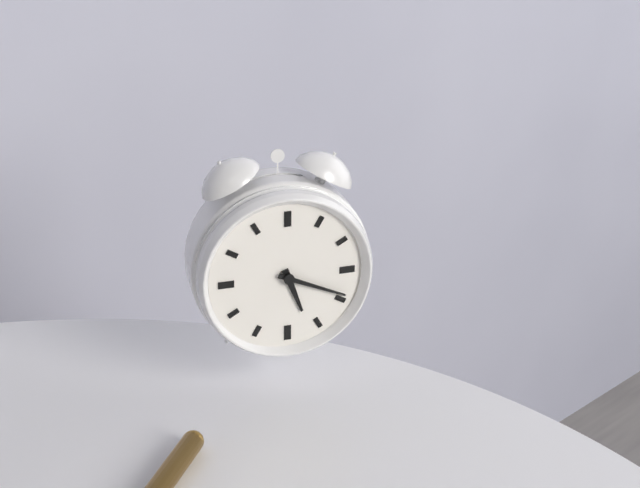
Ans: 5:19
